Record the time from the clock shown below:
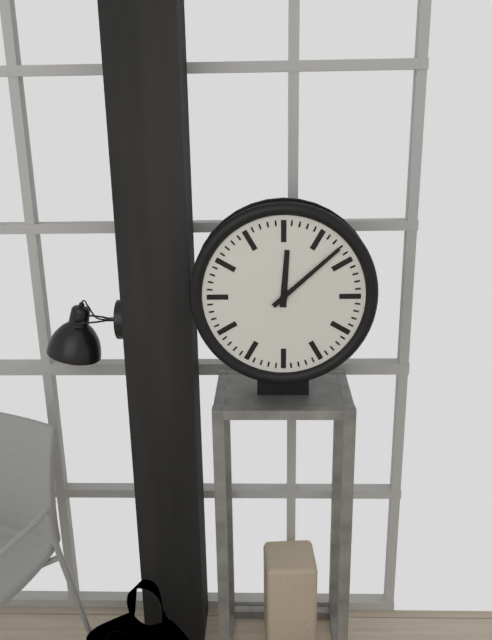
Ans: 12:08
